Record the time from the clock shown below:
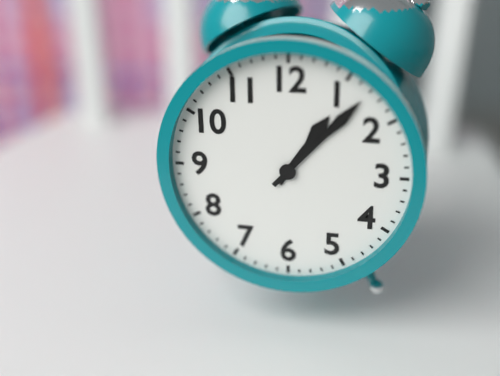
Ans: 1:07
